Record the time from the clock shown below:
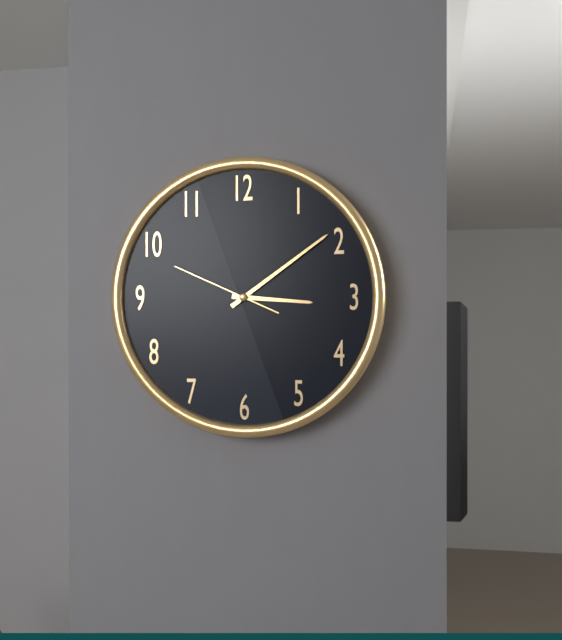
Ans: 3:09:49
